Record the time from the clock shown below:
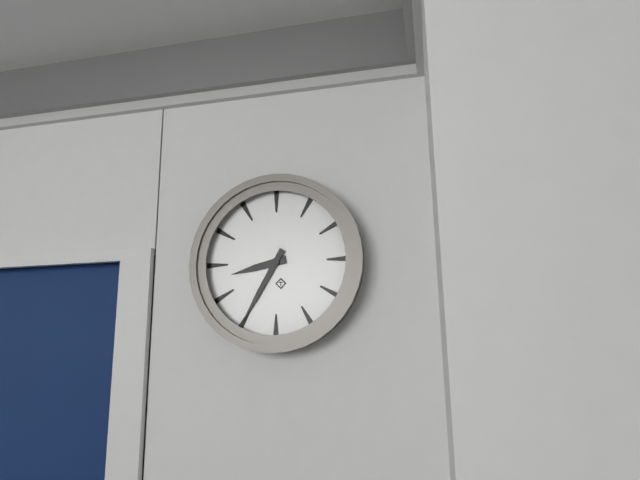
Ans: 8:35
